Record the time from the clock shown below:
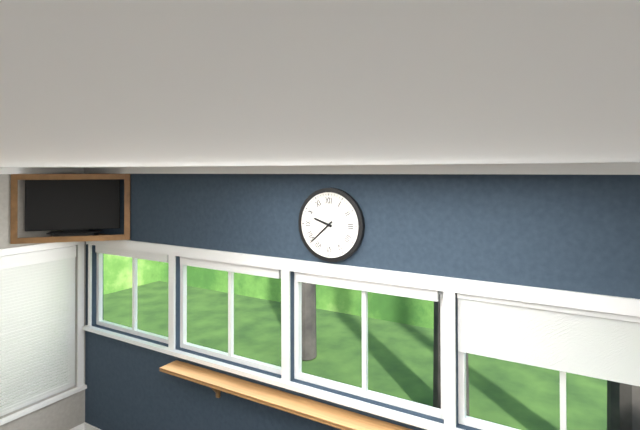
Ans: 9:38
